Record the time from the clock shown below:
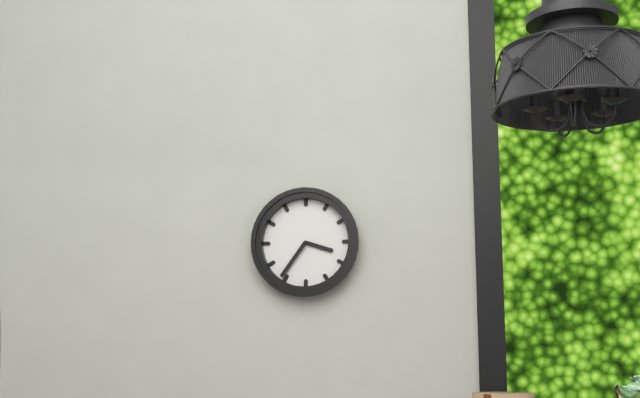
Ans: 3:36
